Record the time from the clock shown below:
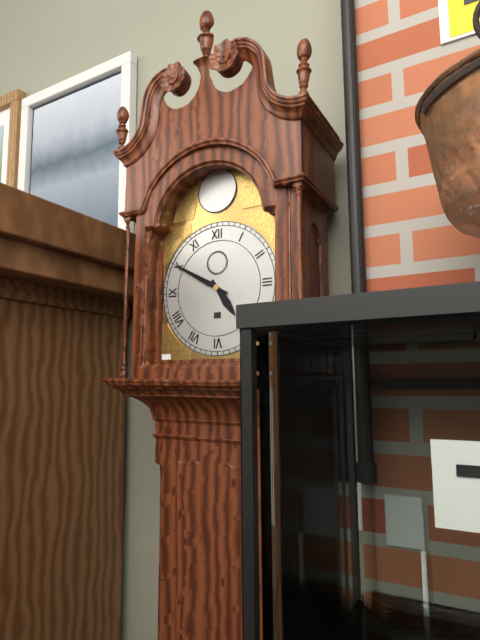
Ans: 4:50
